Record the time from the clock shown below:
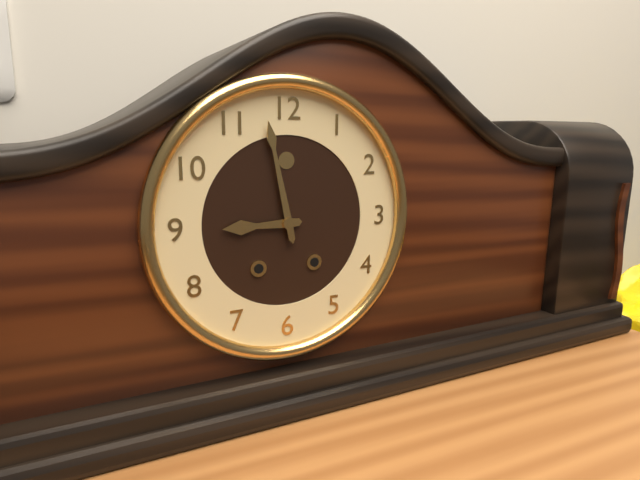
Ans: 8:58
